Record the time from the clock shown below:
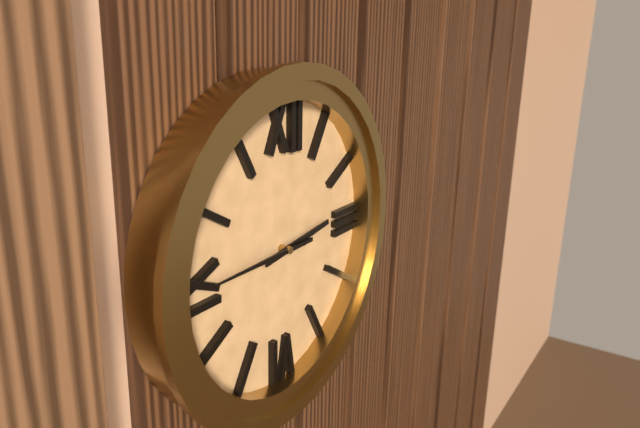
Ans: 2:45
